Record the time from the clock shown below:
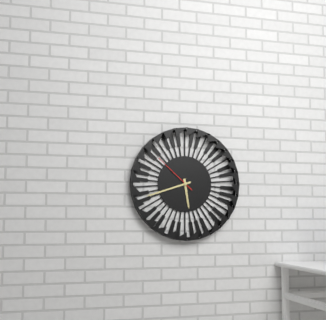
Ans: 5:42
